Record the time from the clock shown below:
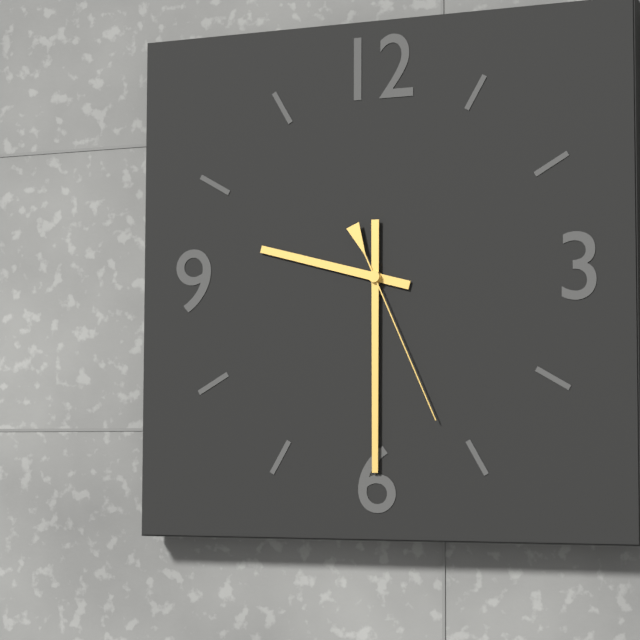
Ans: 9:30:26
